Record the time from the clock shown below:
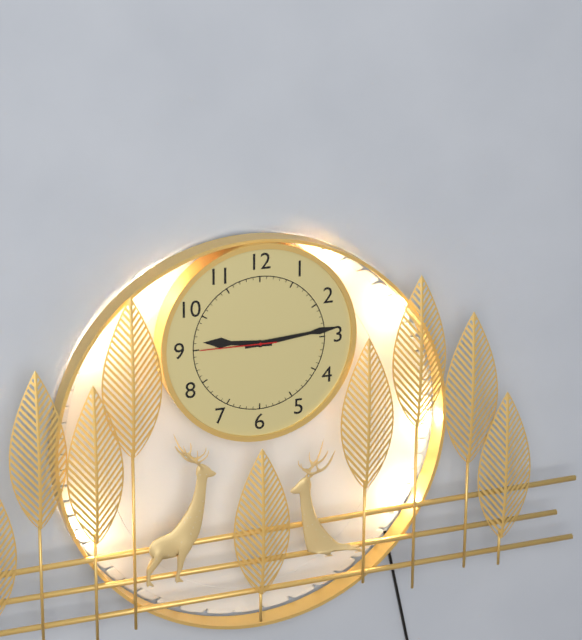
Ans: 9:14:45
